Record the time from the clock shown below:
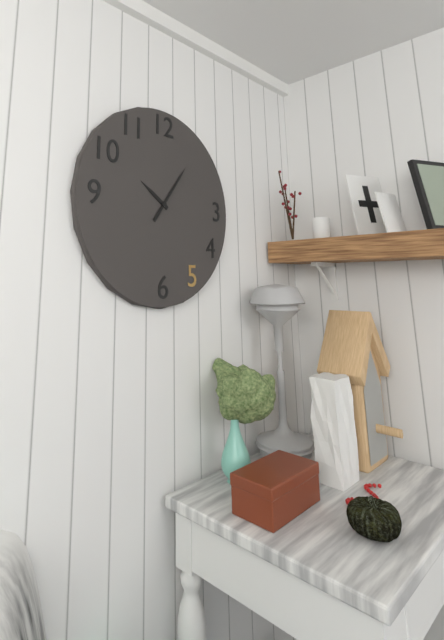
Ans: 10:06
